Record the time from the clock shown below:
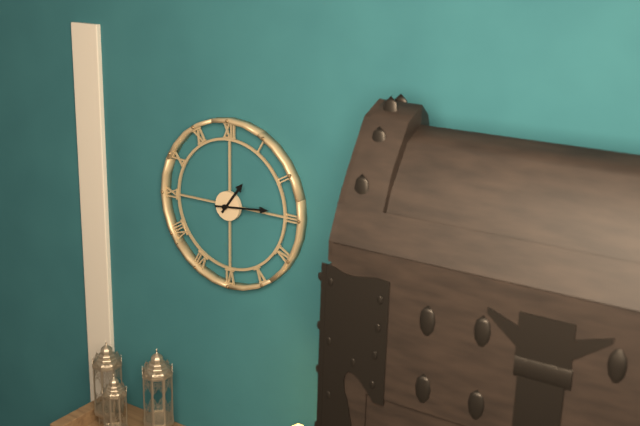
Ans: 1:14
